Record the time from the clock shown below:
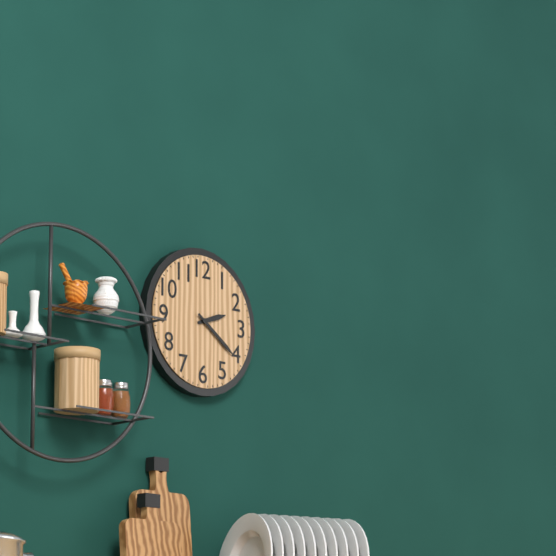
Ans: 2:21
